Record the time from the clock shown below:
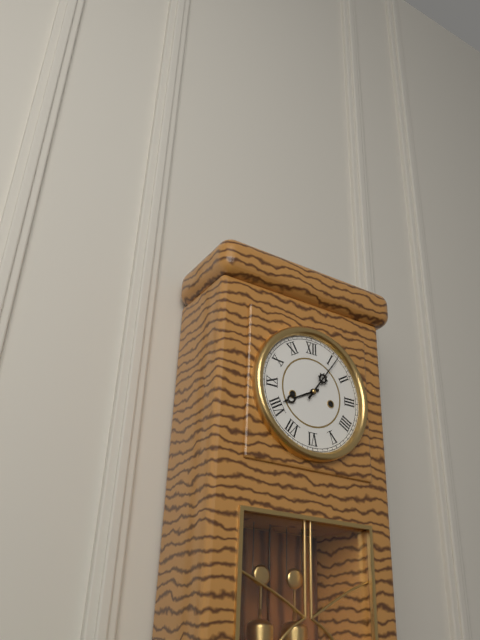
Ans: 8:06
